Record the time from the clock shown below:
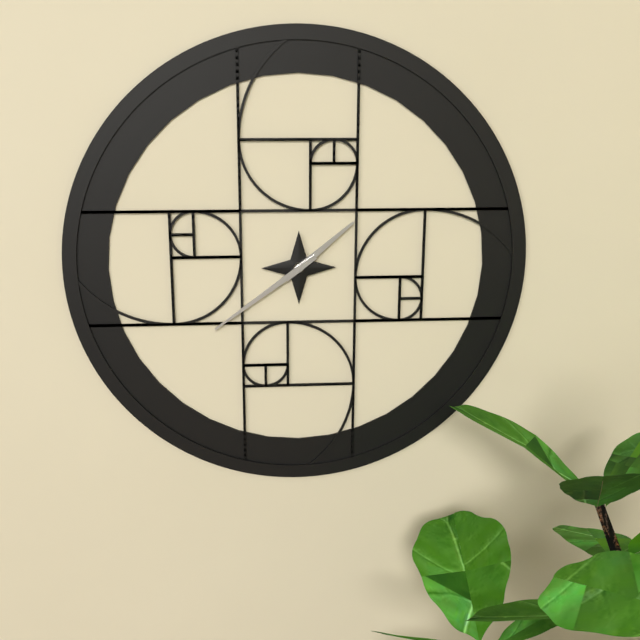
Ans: 1:39
